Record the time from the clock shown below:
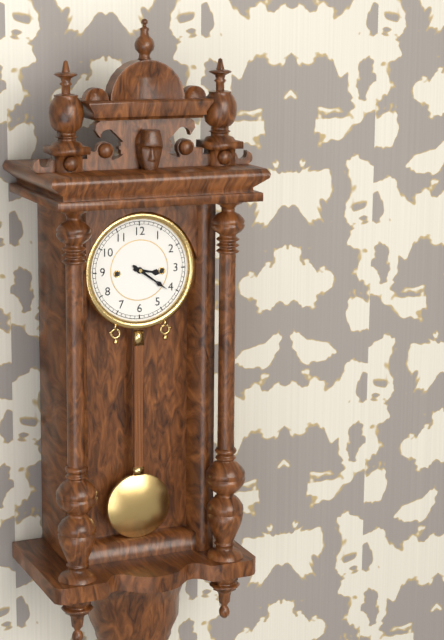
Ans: 3:21
